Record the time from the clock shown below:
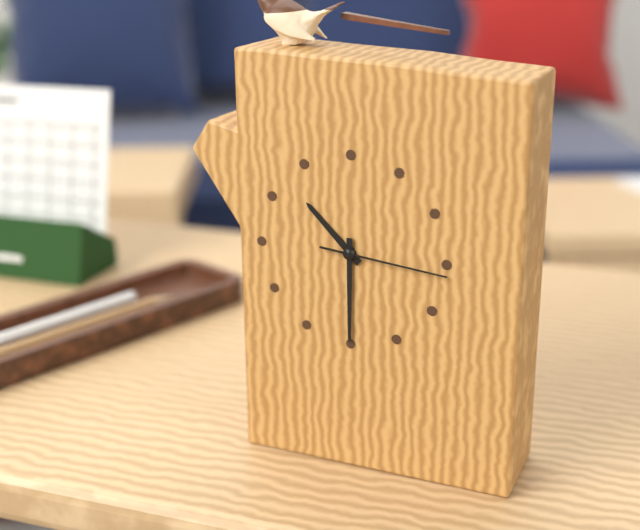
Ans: 10:30:16
